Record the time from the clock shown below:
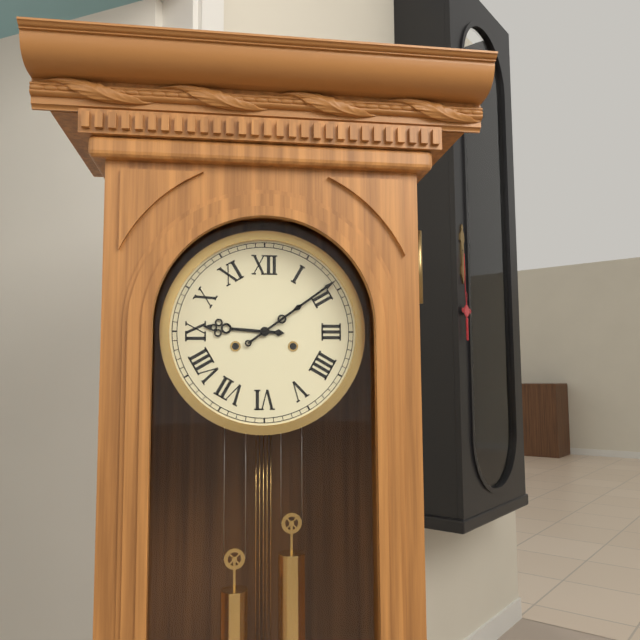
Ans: 9:09
